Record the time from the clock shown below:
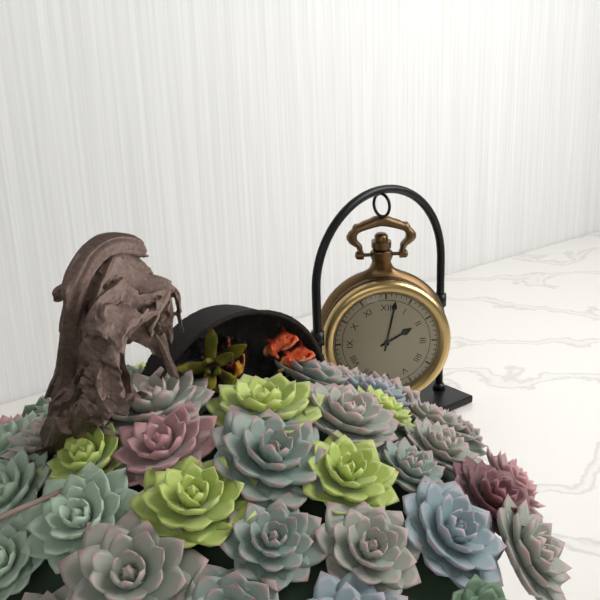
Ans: 2:02
